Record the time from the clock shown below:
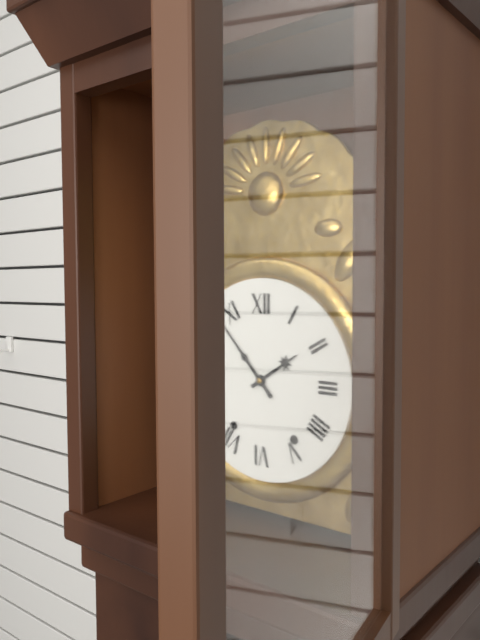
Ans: 1:53
